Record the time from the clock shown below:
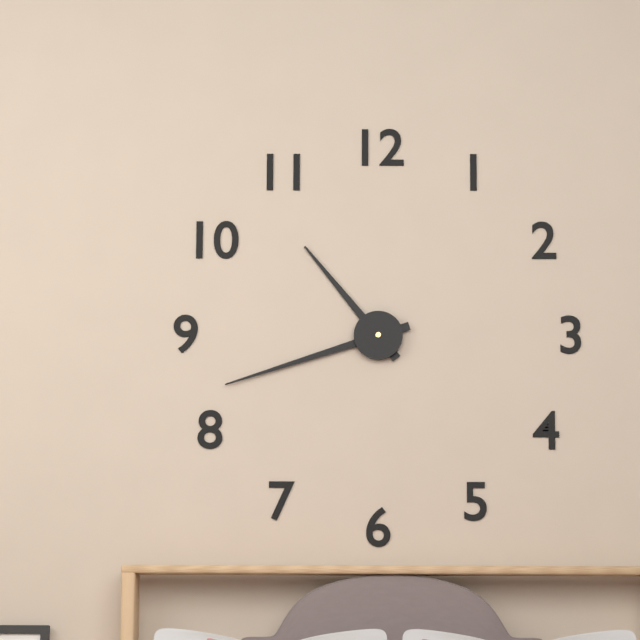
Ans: 10:42
